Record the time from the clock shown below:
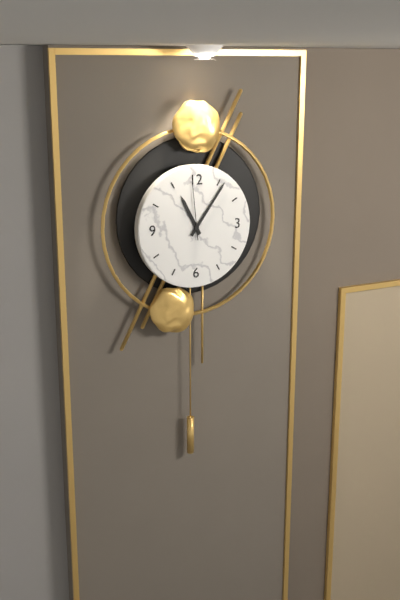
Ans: 11:06:59
